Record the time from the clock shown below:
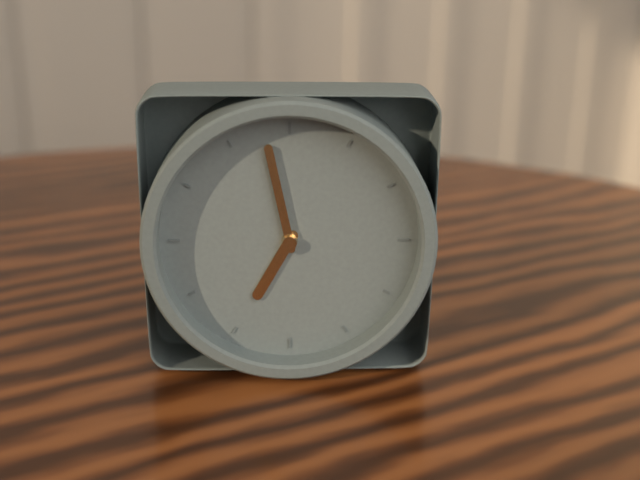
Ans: 6:58
